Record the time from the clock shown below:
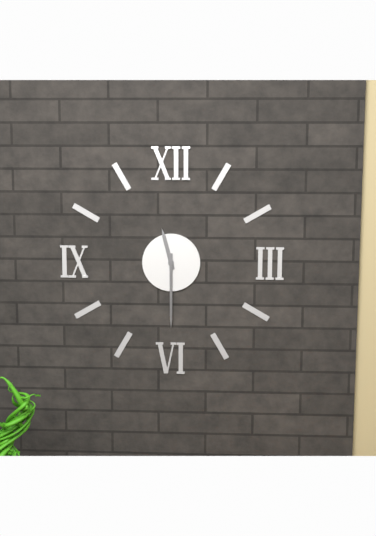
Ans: 11:30
